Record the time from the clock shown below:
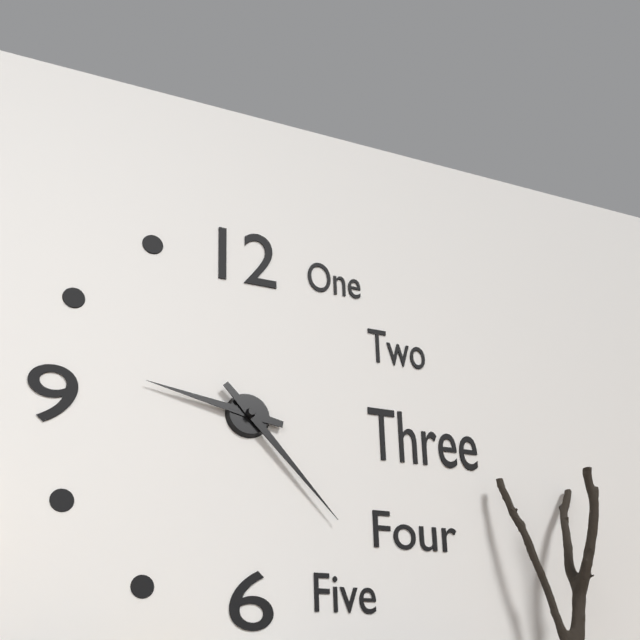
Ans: 9:23
